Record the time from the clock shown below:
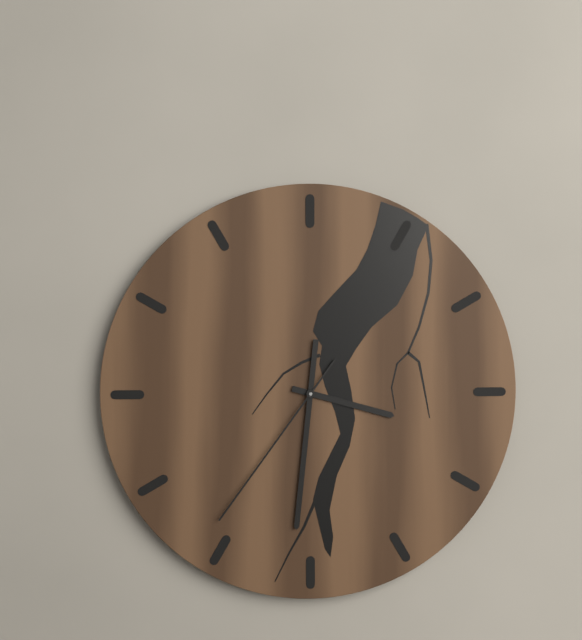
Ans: 3:31:36
